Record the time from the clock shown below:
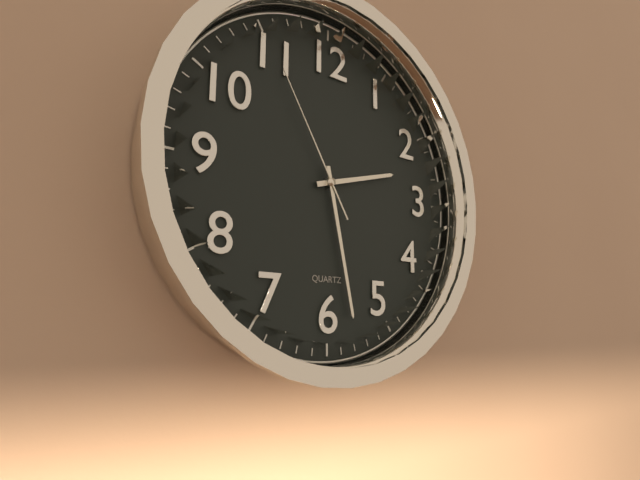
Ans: 2:28:55
